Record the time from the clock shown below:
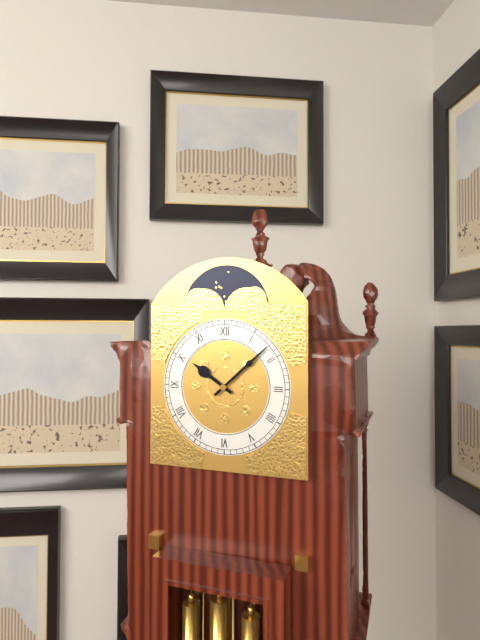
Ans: 10:08
